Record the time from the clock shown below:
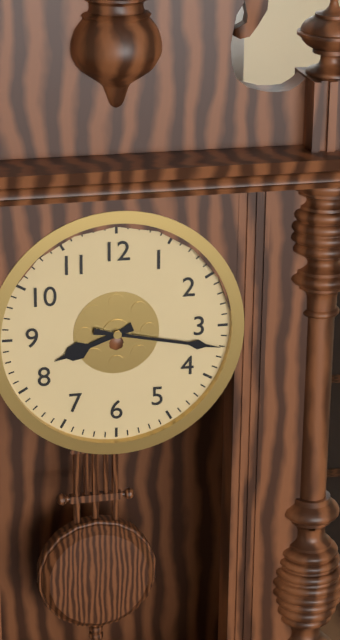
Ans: 8:17
